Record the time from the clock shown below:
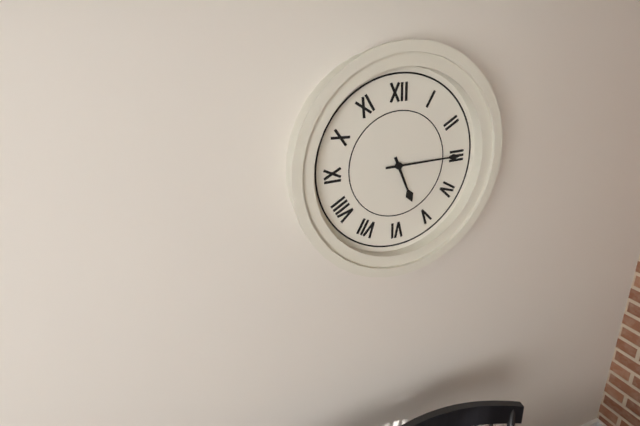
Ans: 5:15
